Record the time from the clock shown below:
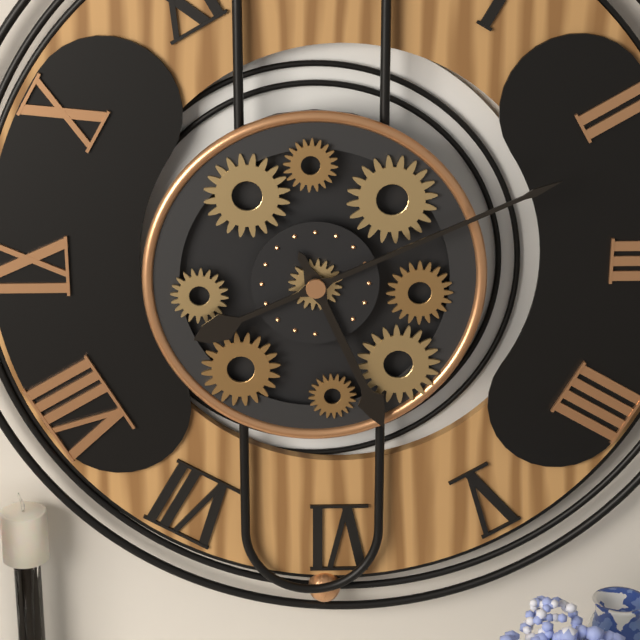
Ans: 5:11
